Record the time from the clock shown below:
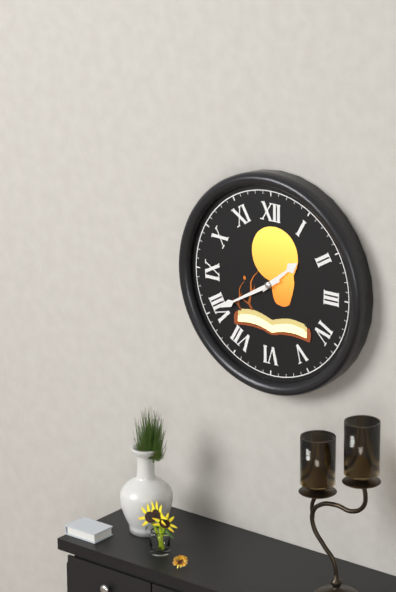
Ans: 1:40
